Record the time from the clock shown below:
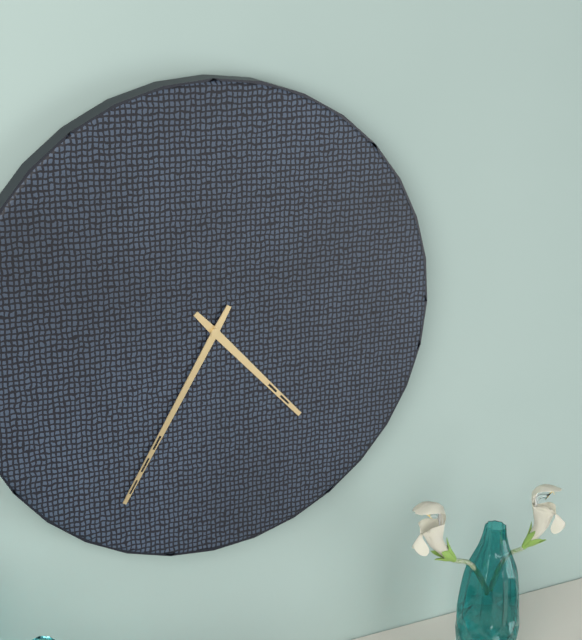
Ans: 4:35
